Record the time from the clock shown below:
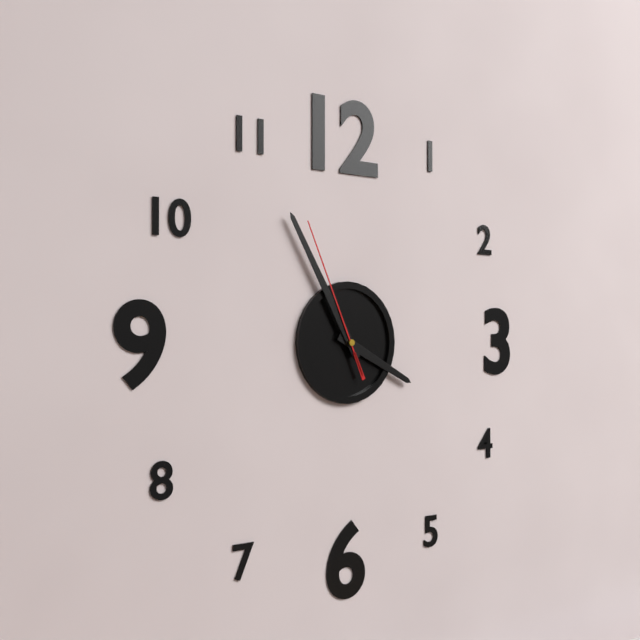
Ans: 3:55:56
